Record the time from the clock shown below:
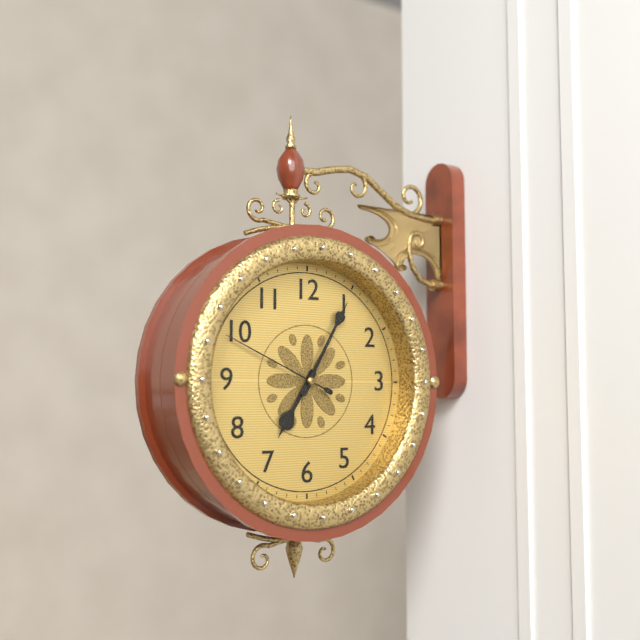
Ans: 7:05:49
